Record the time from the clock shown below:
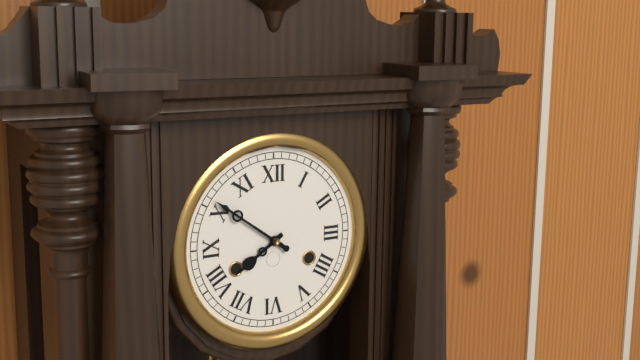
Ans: 7:51
